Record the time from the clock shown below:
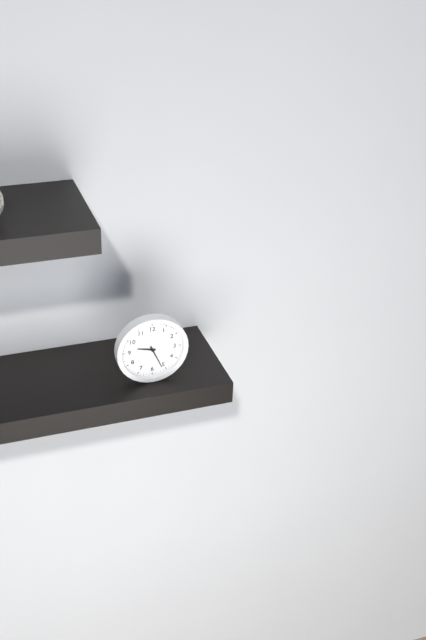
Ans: 9:26
